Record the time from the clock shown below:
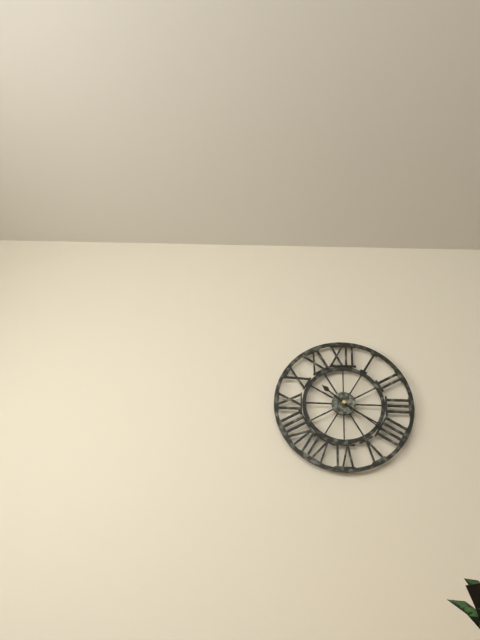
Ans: 10:21
